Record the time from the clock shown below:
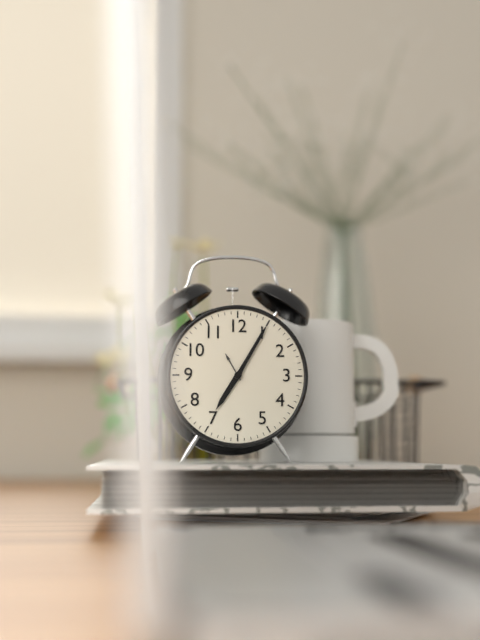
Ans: 7:05
